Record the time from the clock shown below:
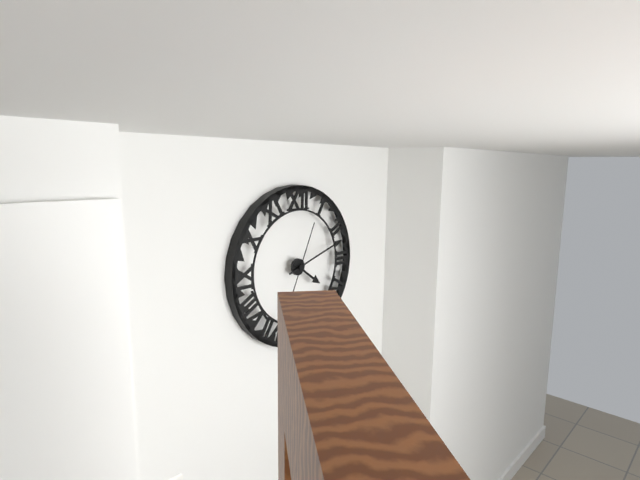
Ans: 4:12
